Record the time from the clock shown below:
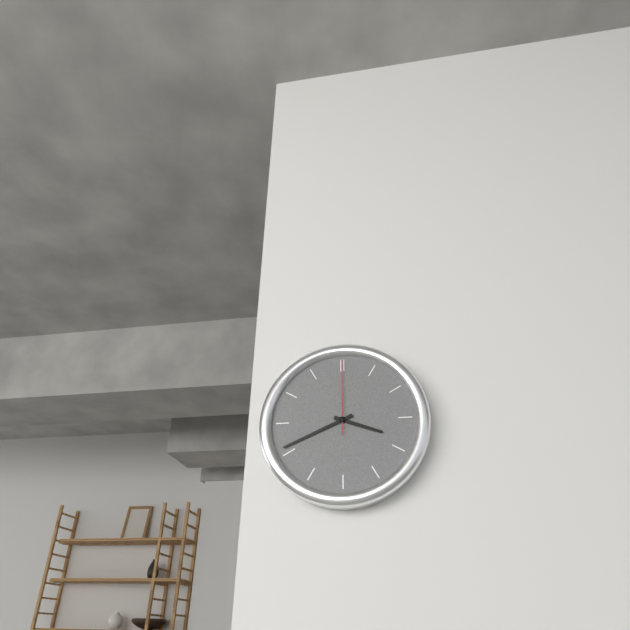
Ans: 3:41:00
